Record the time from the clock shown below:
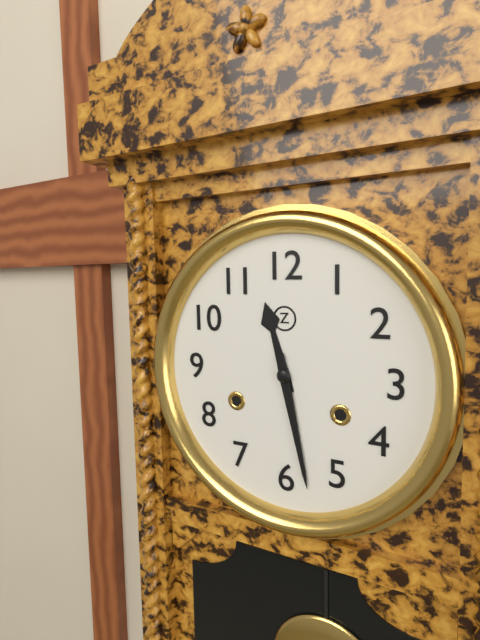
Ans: 11:28
